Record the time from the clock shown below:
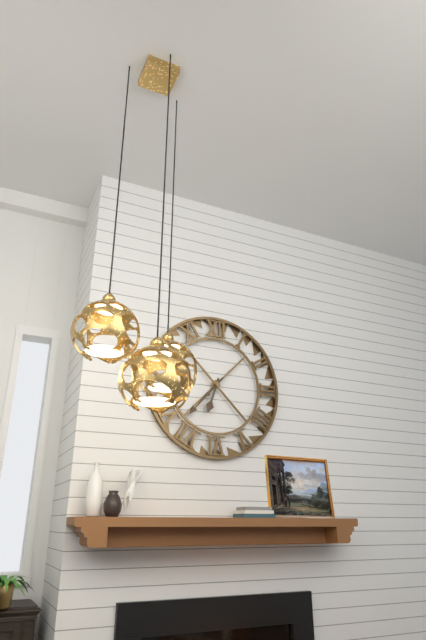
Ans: 6:37
